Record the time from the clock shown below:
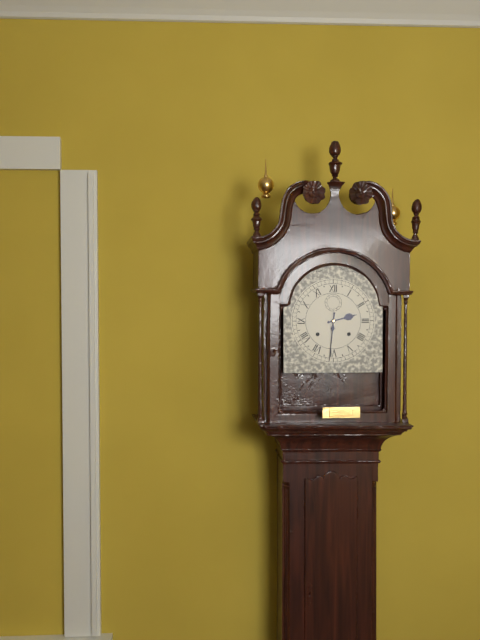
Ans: 2:31
